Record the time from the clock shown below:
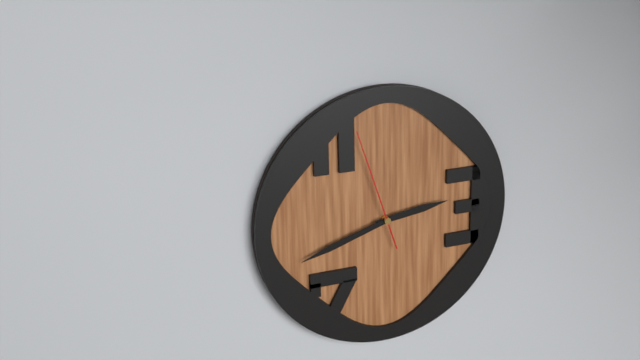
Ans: 2:42:57
